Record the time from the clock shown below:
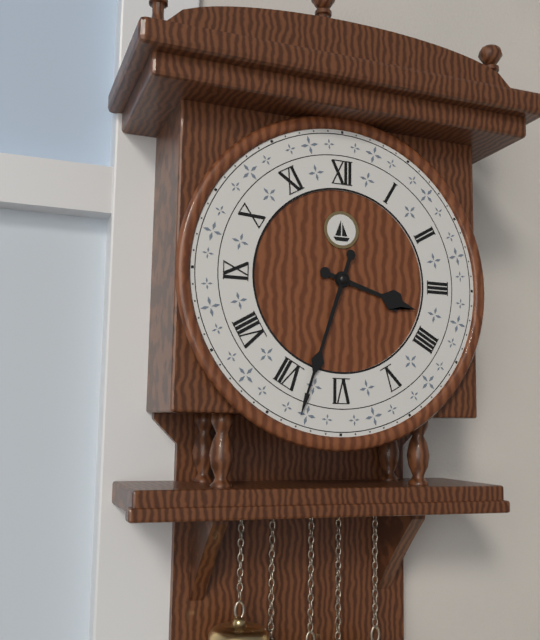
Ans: 3:33
